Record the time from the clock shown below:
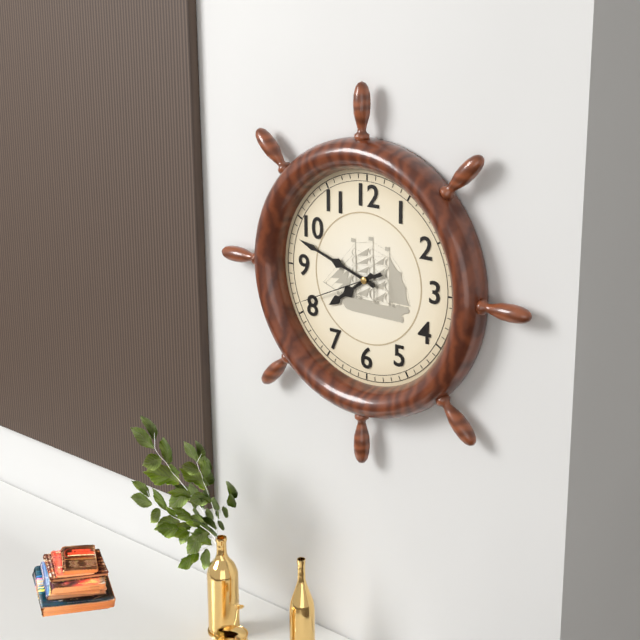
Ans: 7:48:41
